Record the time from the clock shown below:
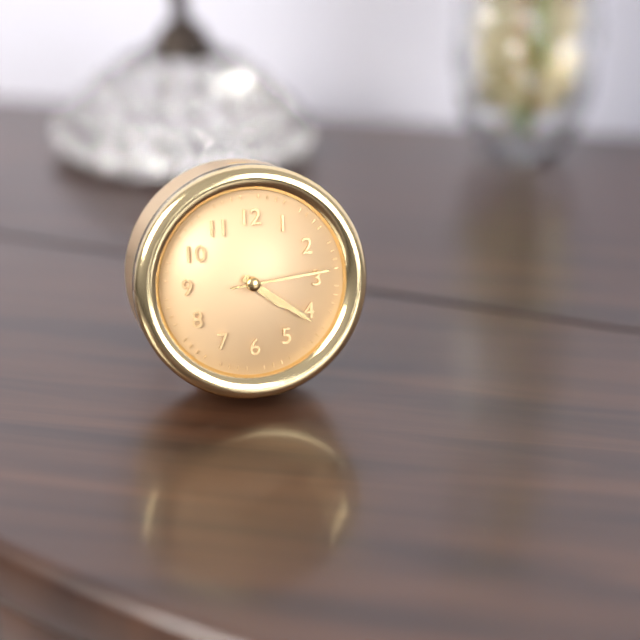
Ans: 4:21:14
